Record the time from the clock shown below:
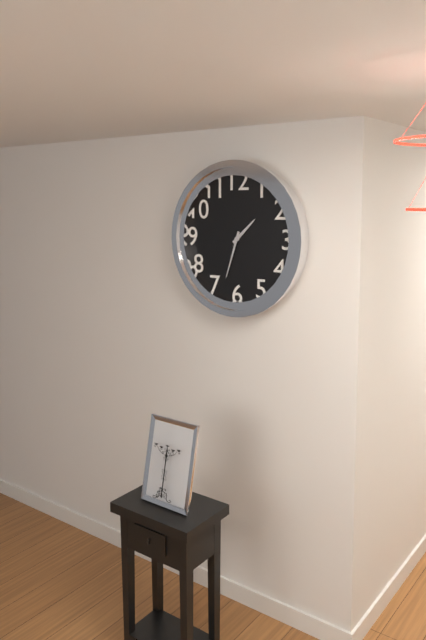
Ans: 1:33
